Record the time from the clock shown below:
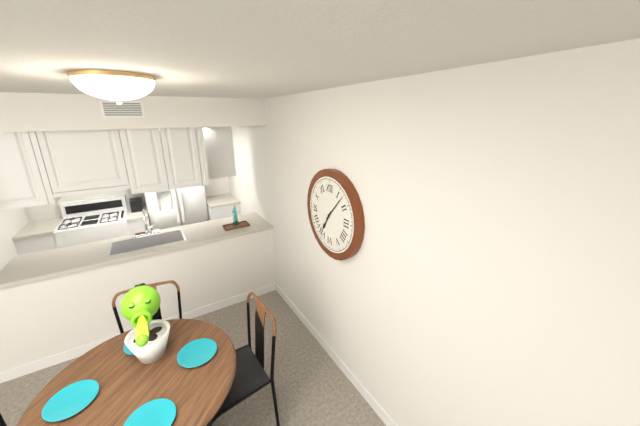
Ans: 7:07
